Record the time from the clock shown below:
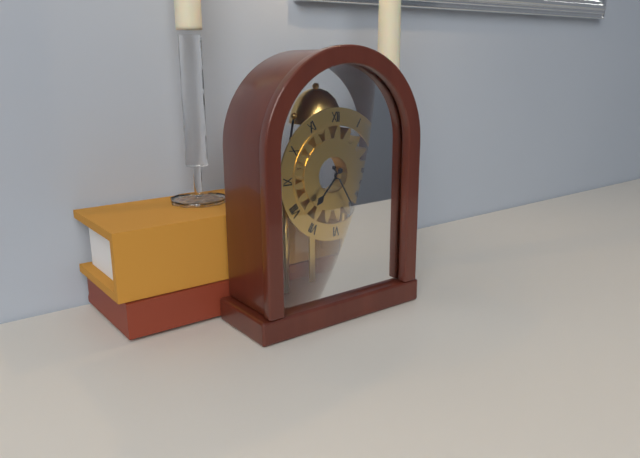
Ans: 7:25
